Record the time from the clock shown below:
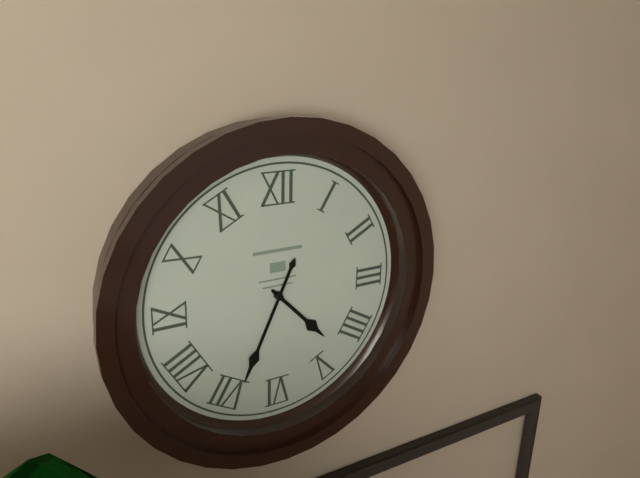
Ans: 4:34
